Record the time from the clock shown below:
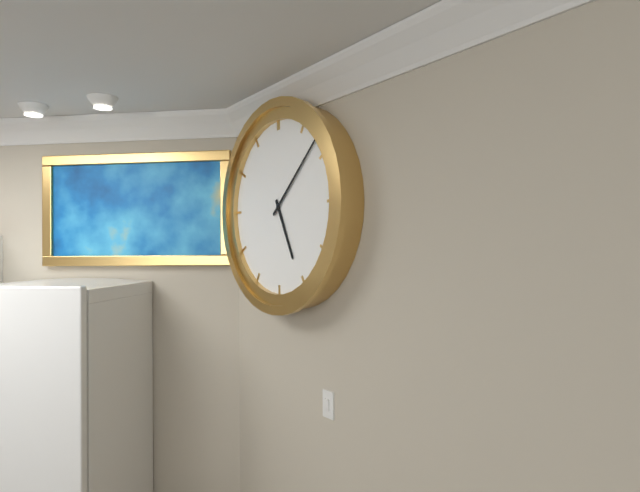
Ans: 5:08
